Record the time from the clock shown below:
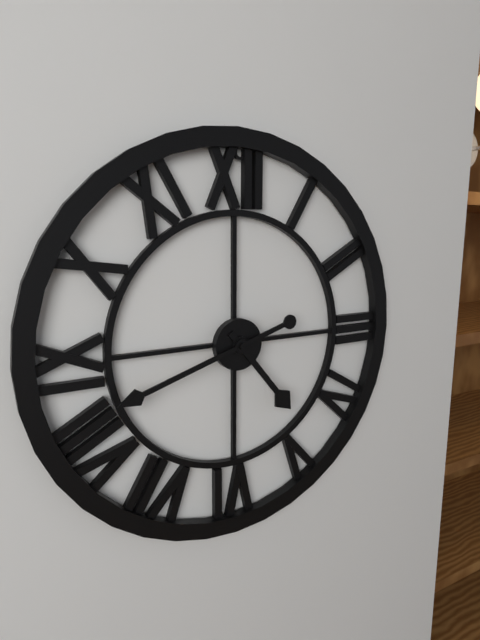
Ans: 4:42
